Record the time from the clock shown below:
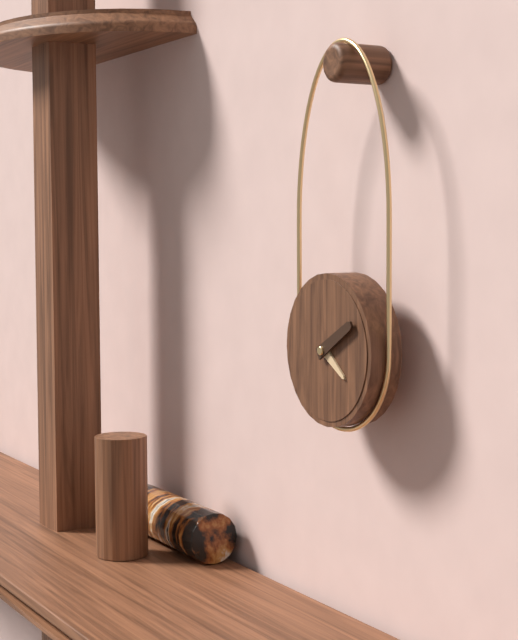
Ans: 4:10
